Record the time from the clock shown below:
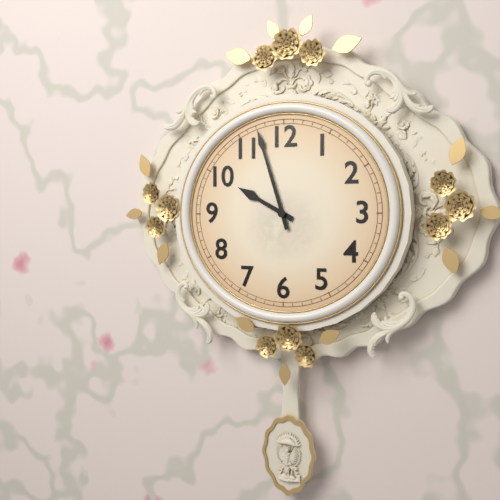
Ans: 9:57
